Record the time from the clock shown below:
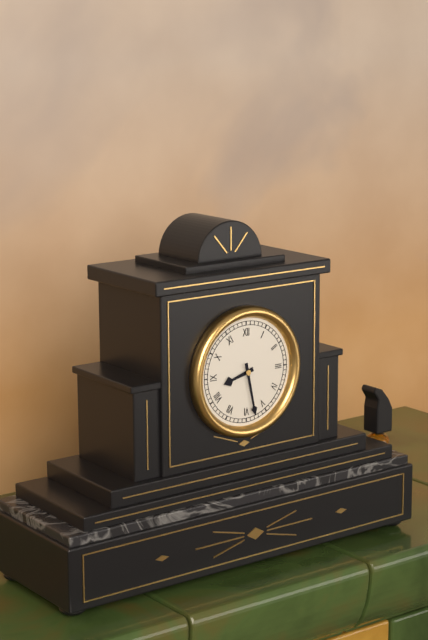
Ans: 8:28
